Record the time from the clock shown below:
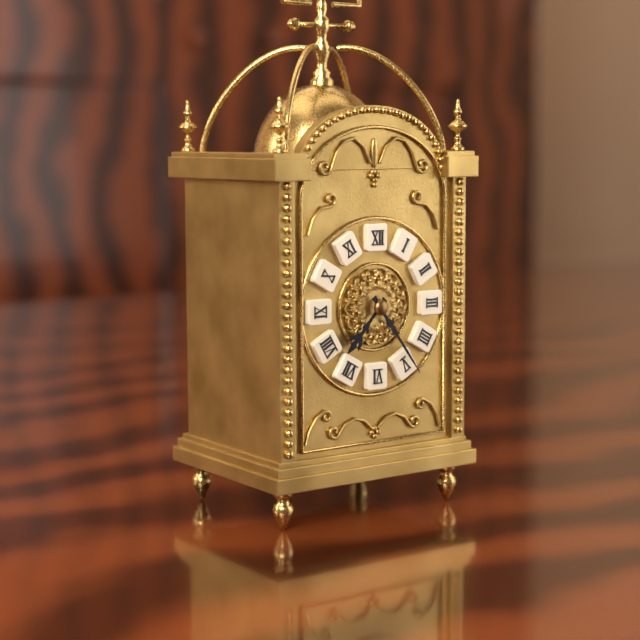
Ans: 7:24
